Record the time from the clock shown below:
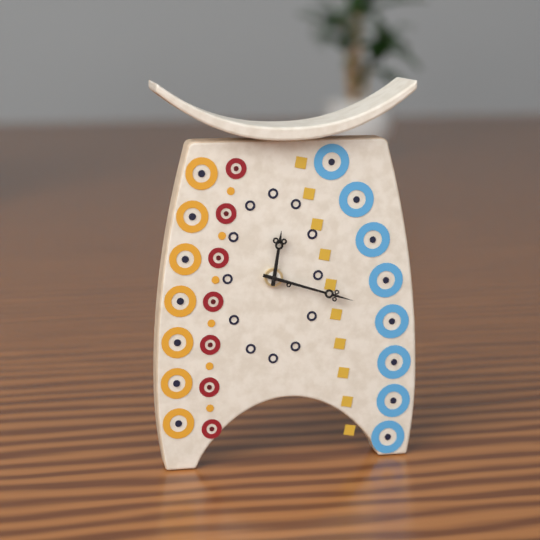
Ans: 12:18
